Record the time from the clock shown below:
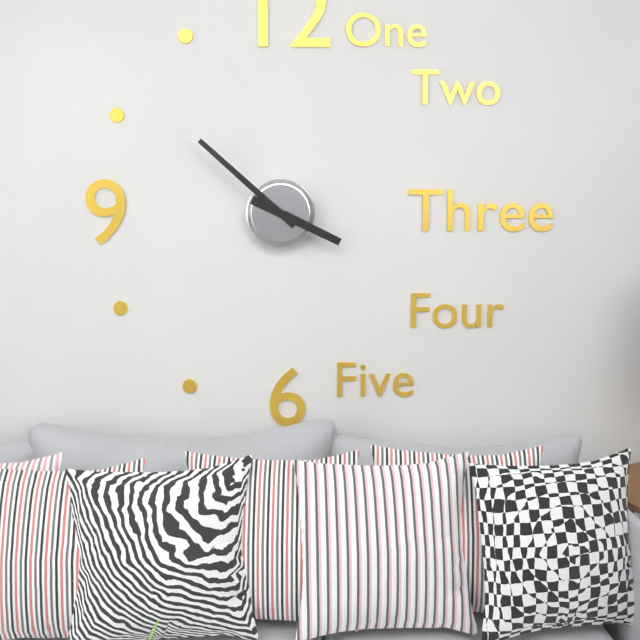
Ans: 3:52
